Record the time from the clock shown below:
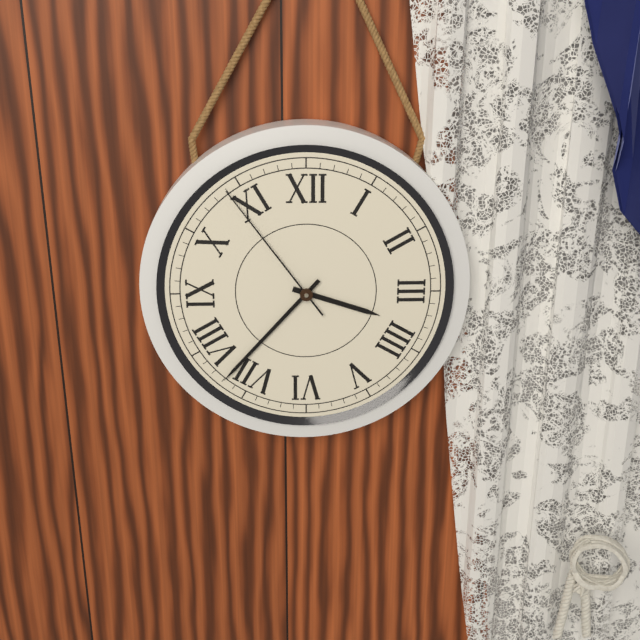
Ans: 3:37:54
